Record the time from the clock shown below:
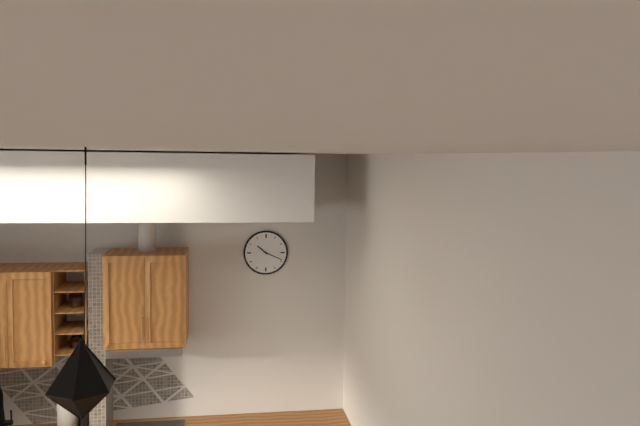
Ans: 10:19
